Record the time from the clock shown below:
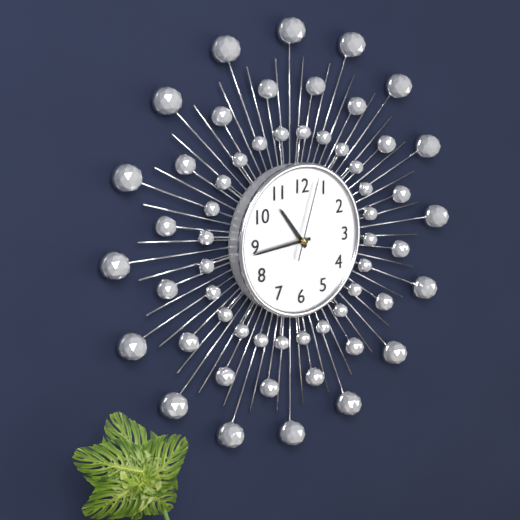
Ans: 10:44:03
